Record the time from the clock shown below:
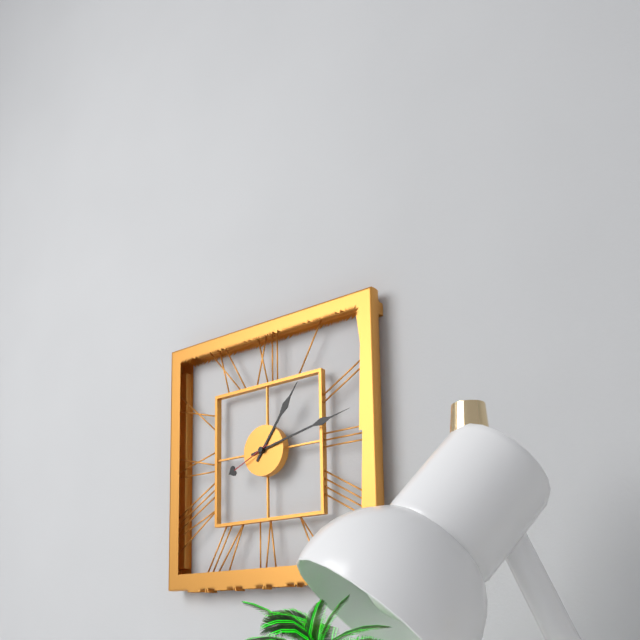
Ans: 1:13
